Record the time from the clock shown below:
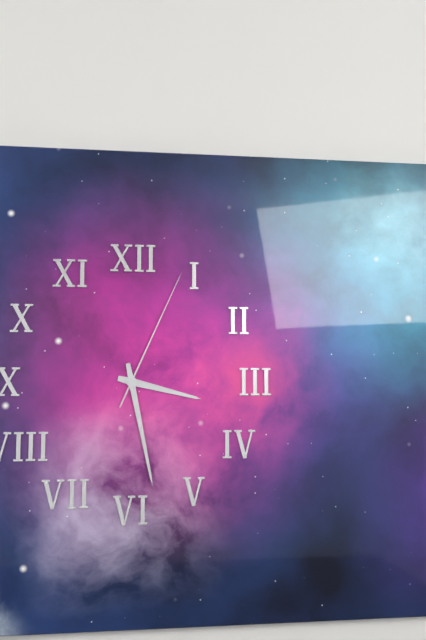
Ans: 3:28:04
